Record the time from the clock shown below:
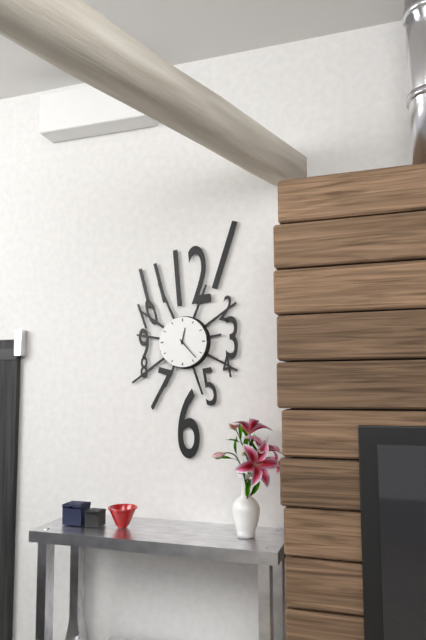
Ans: 12:23
